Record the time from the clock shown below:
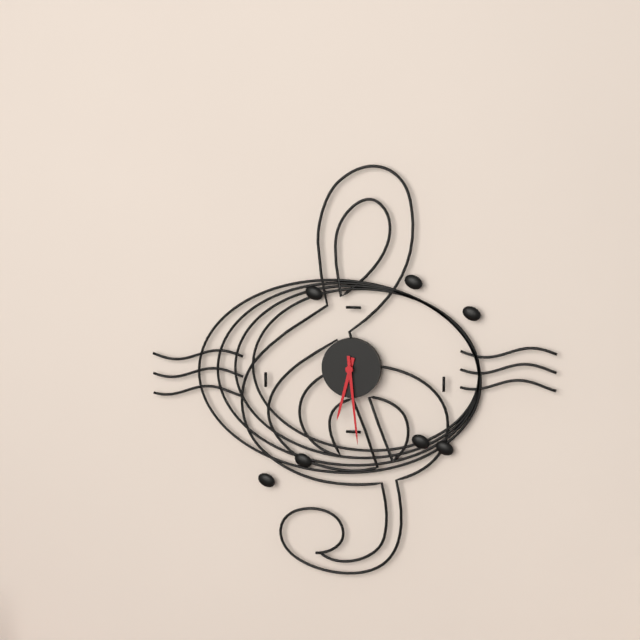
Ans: 6:29
